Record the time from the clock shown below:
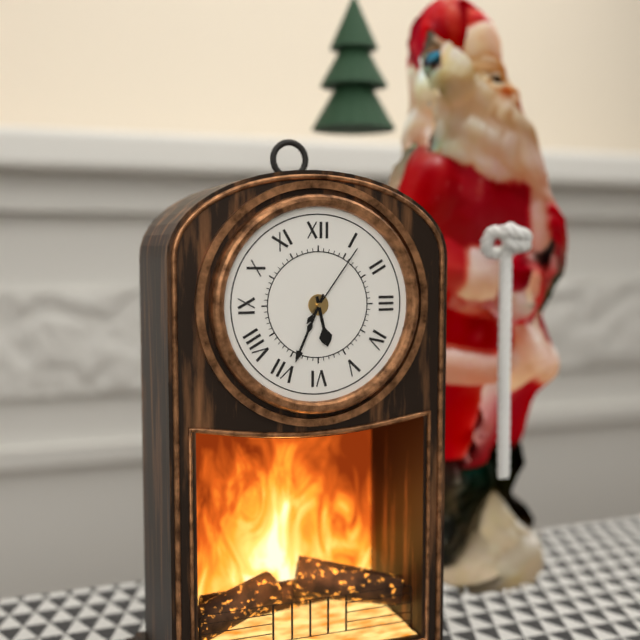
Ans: 5:34:06
